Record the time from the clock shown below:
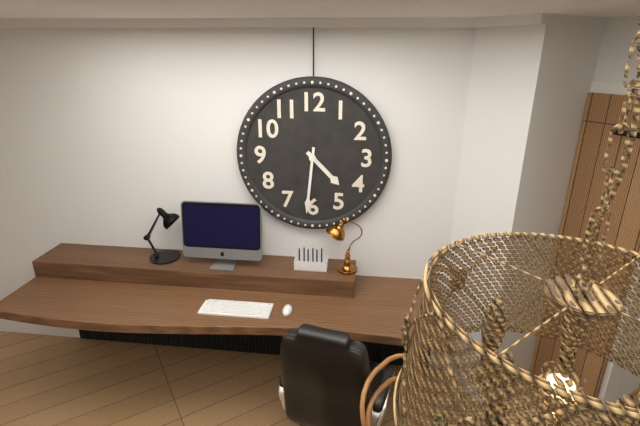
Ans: 4:31
